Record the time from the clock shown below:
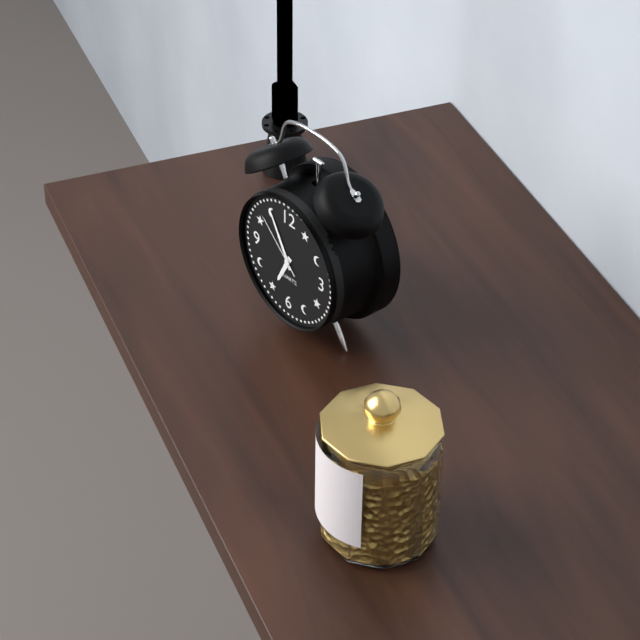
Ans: 6:55:52
